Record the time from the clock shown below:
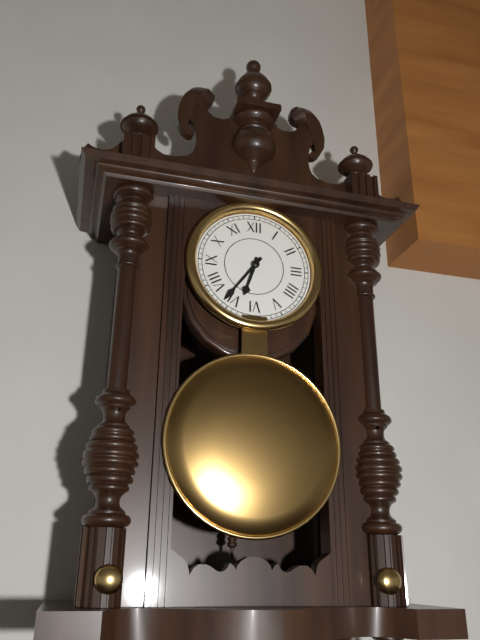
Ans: 6:36
